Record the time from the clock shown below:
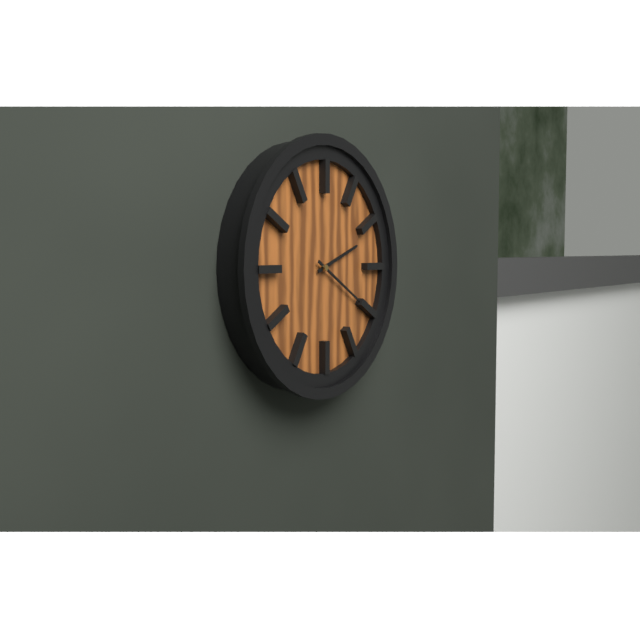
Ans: 2:20
